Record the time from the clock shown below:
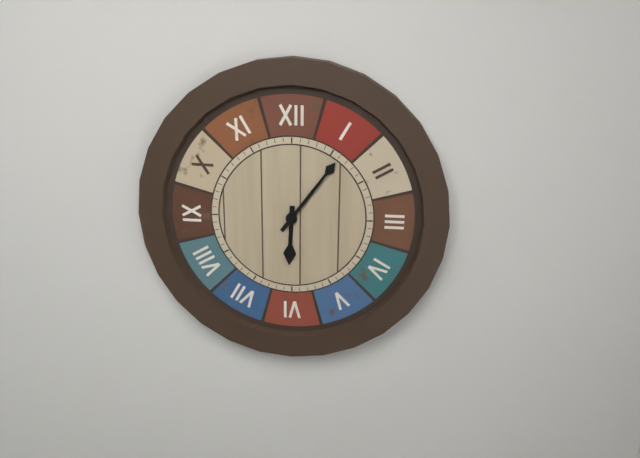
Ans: 6:06
